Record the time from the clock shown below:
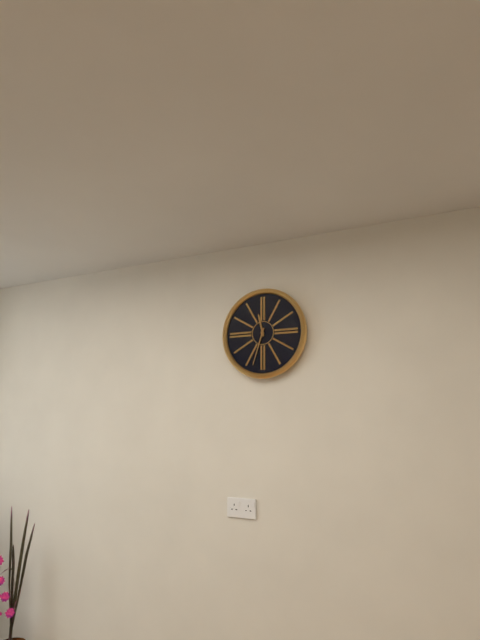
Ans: 11:33
